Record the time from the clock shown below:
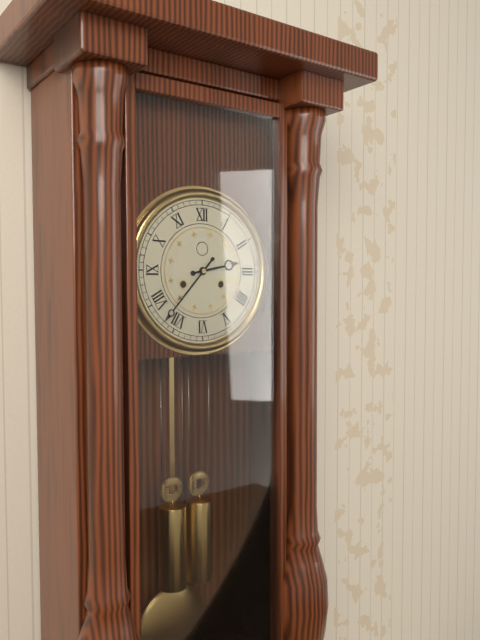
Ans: 2:37
